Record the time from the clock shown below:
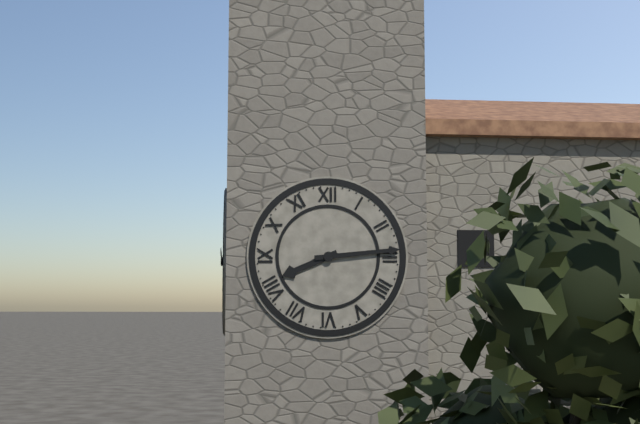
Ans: 8:14
